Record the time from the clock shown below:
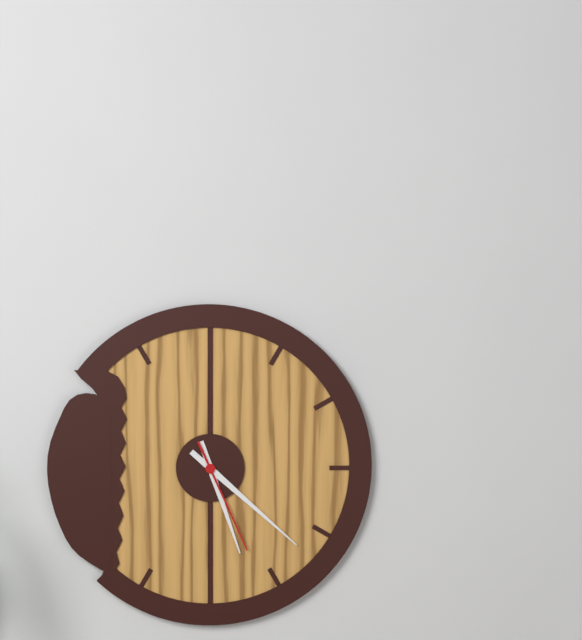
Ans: 5:22:26
